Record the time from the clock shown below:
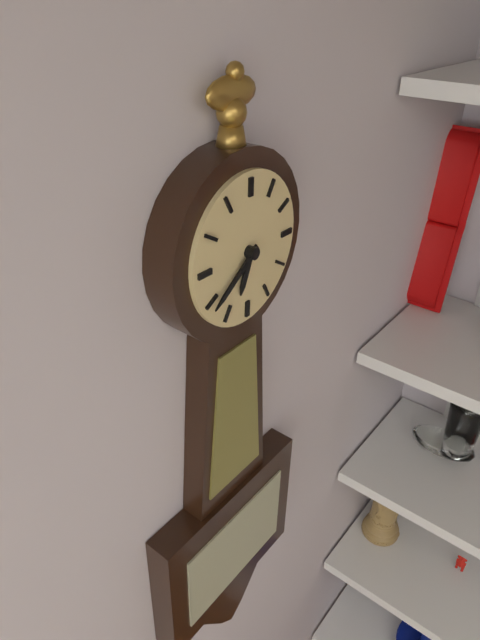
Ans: 6:39
